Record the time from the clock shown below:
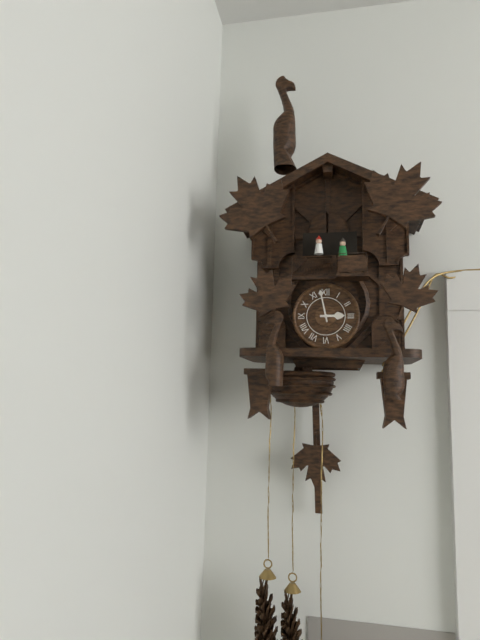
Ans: 2:58
